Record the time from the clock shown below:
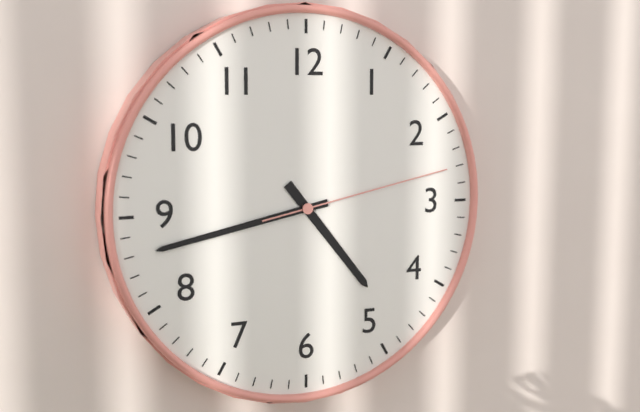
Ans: 4:43:13
